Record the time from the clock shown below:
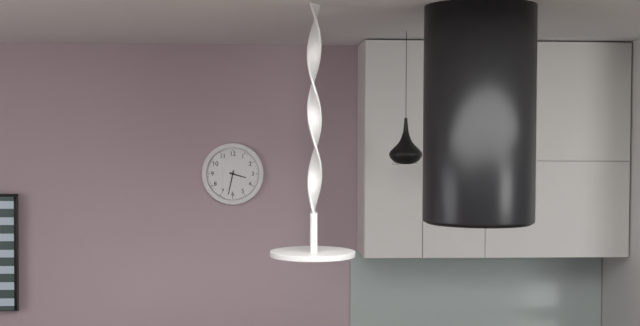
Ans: 3:32
